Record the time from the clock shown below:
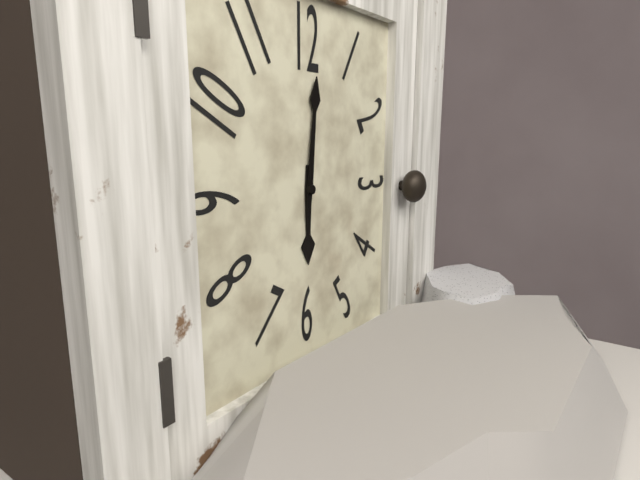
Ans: 6:01
